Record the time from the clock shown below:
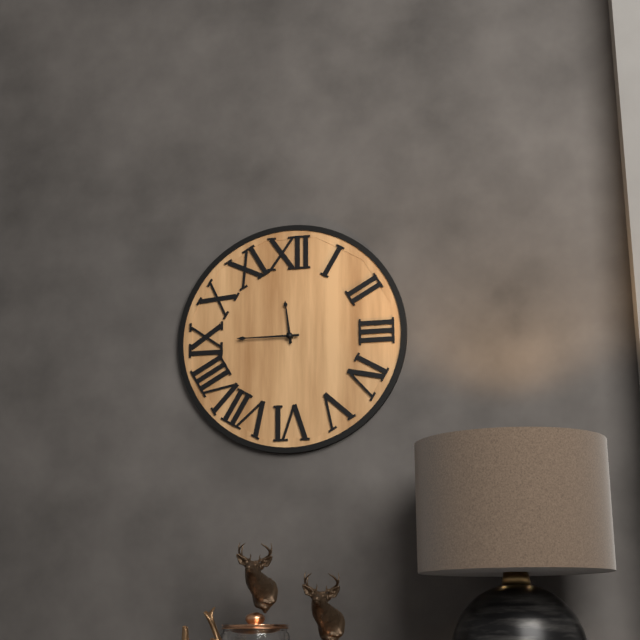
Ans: 11:45
